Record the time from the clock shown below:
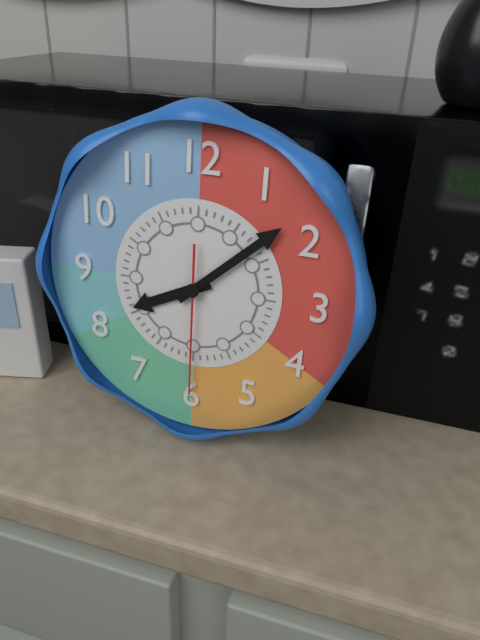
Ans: 8:08:30
